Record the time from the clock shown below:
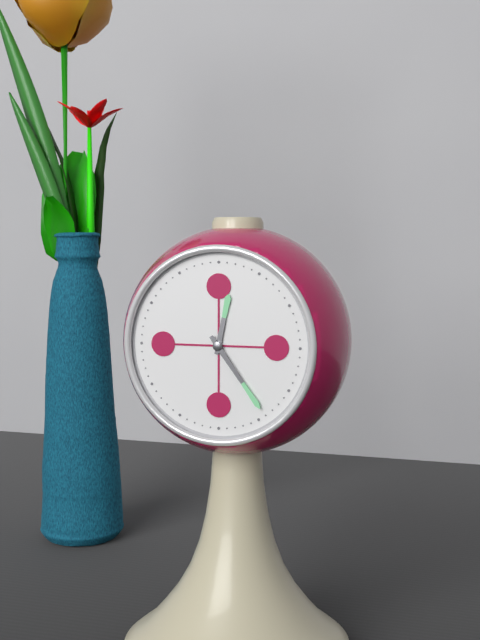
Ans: 12:24
